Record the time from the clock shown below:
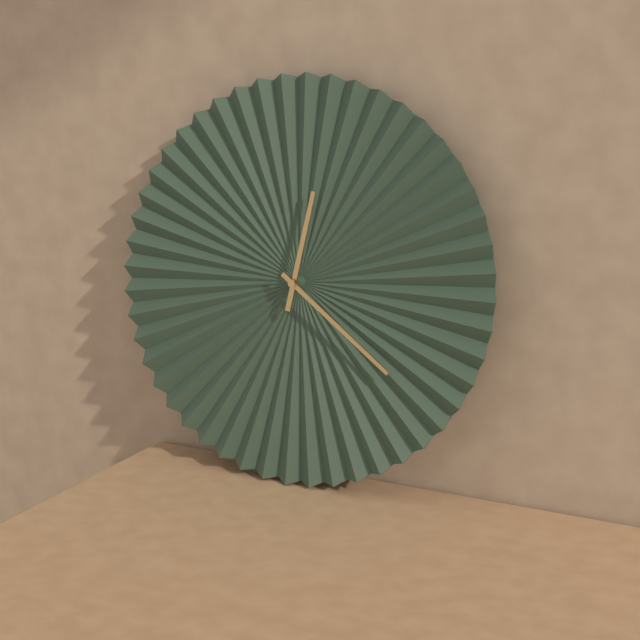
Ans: 12:21
